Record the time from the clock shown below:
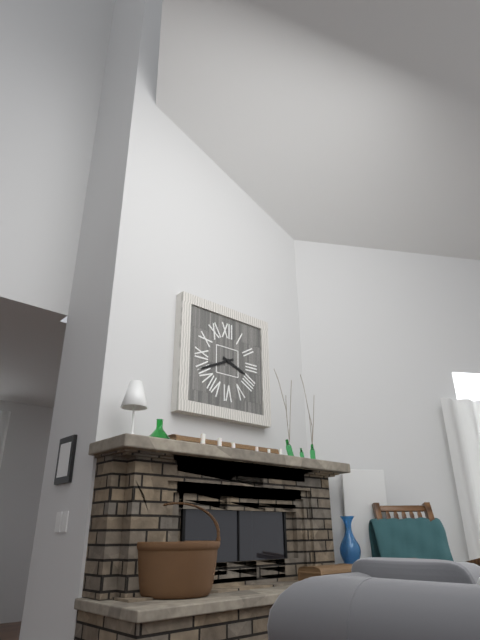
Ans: 3:41
